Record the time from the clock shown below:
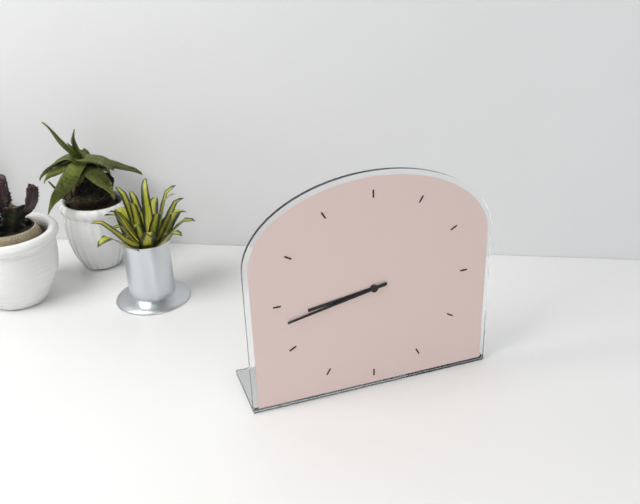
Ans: 8:43
